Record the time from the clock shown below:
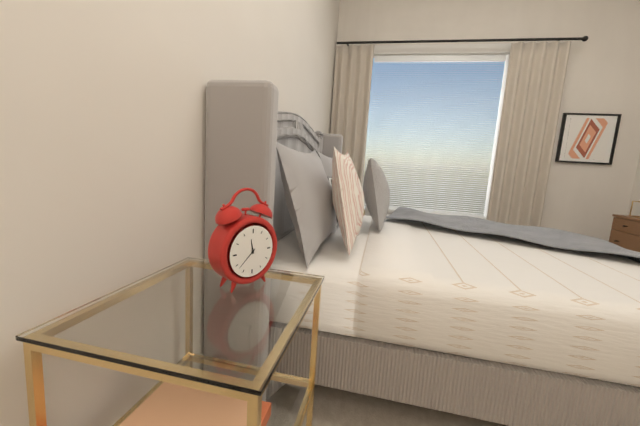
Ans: 11:38
